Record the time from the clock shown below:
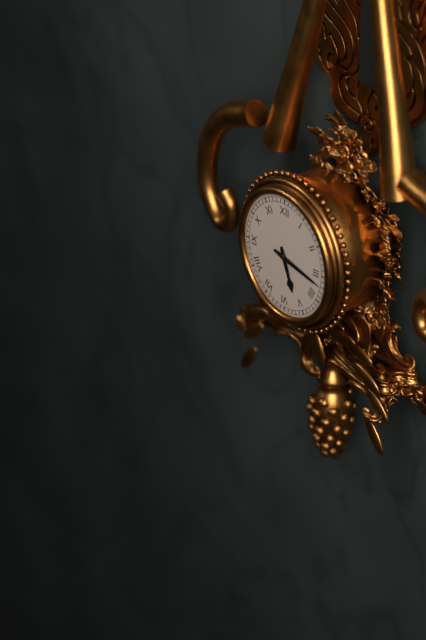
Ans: 5:17
